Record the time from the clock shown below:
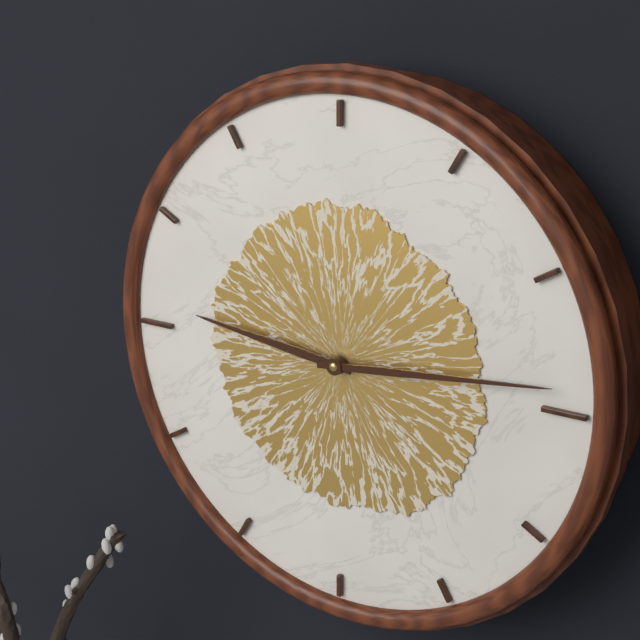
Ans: 9:14
